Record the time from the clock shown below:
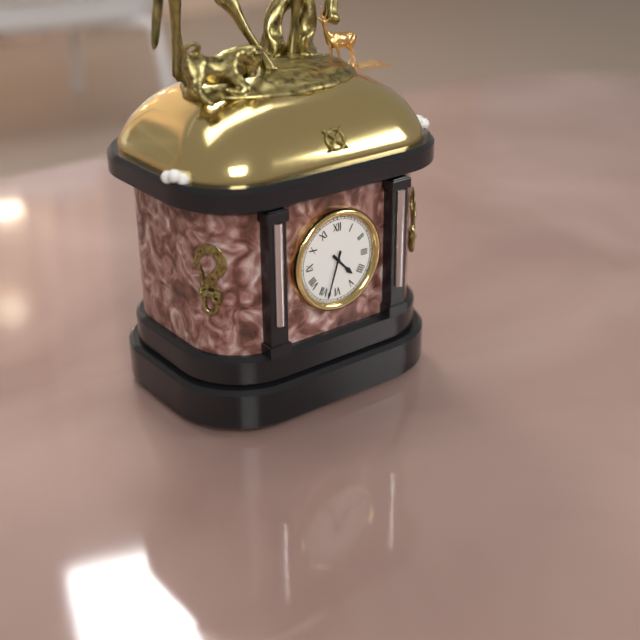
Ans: 4:33
